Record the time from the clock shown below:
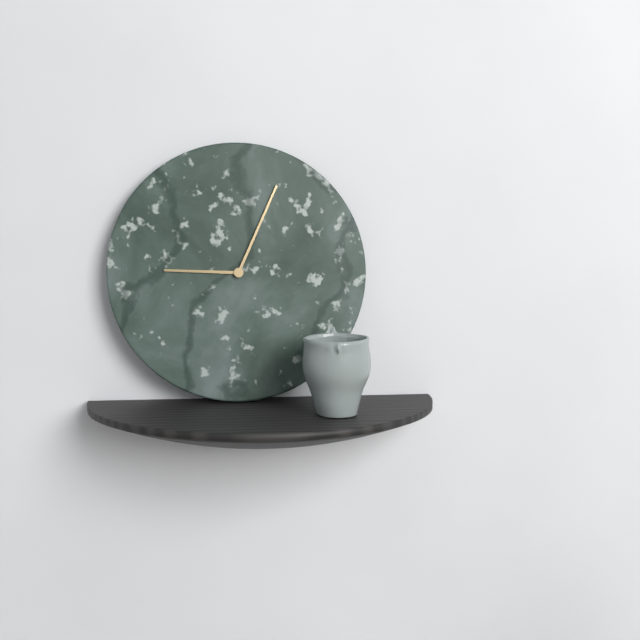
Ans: 9:04
